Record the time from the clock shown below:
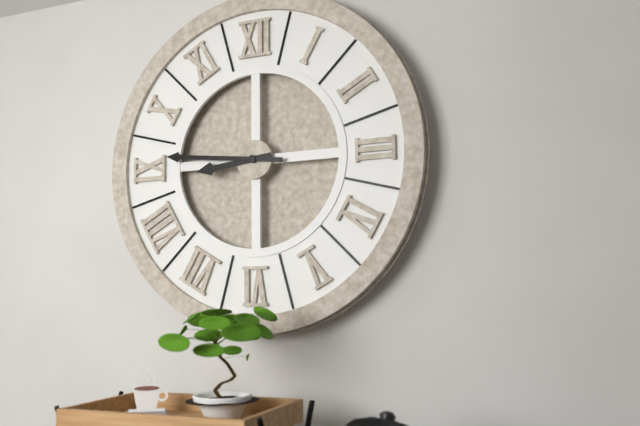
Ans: 8:46
